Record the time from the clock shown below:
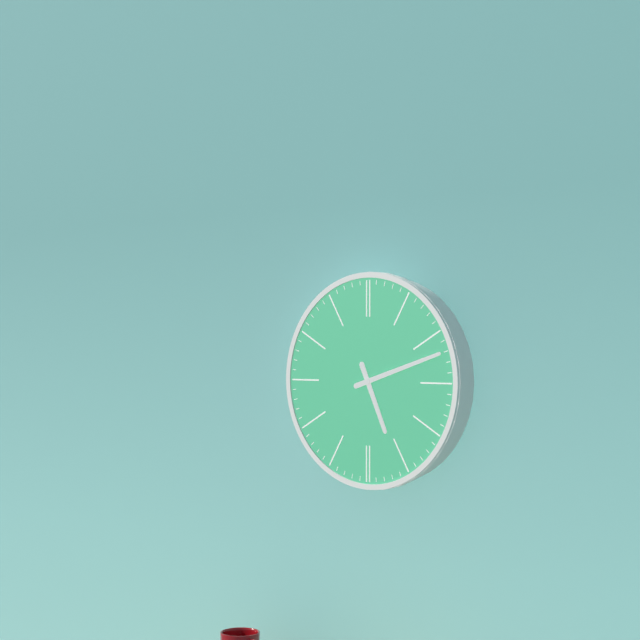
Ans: 5:12
